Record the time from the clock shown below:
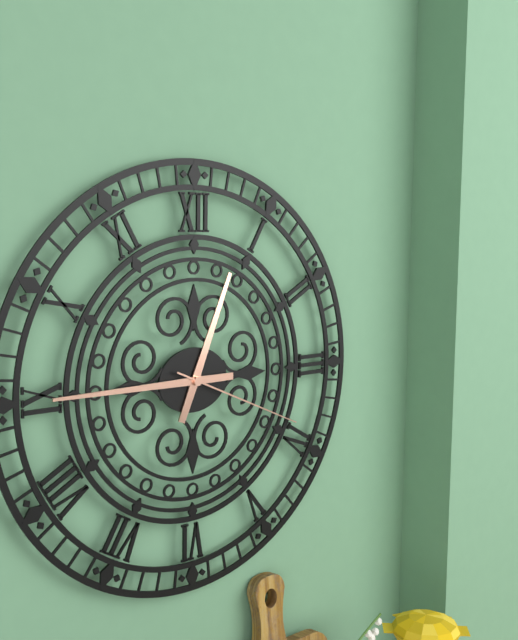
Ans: 12:45:19
